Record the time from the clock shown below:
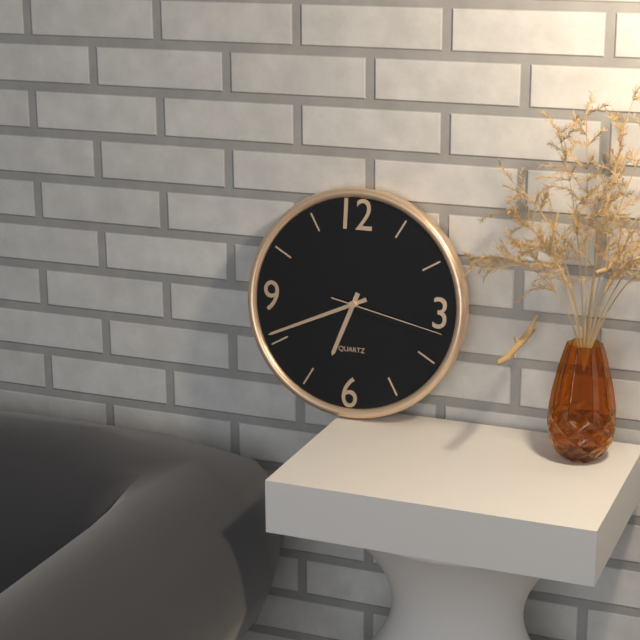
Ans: 6:41:17
